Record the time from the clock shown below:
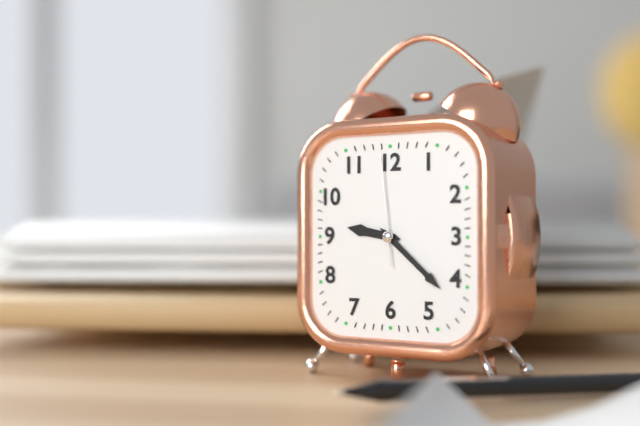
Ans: 9:22:59
